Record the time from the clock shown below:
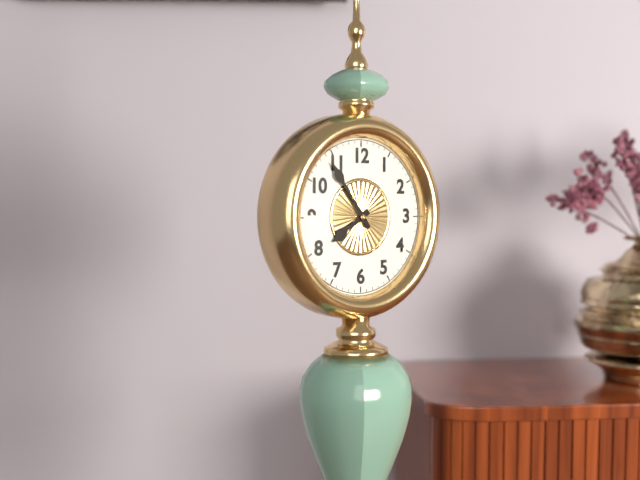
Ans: 7:54
